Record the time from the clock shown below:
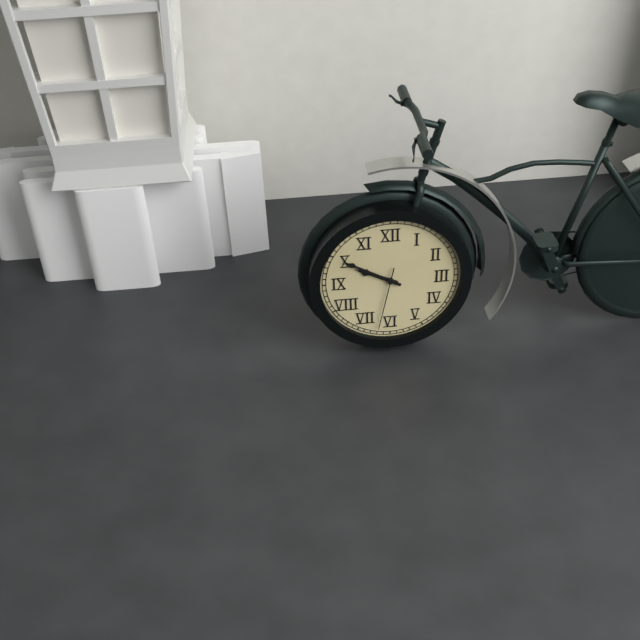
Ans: 9:50:32
